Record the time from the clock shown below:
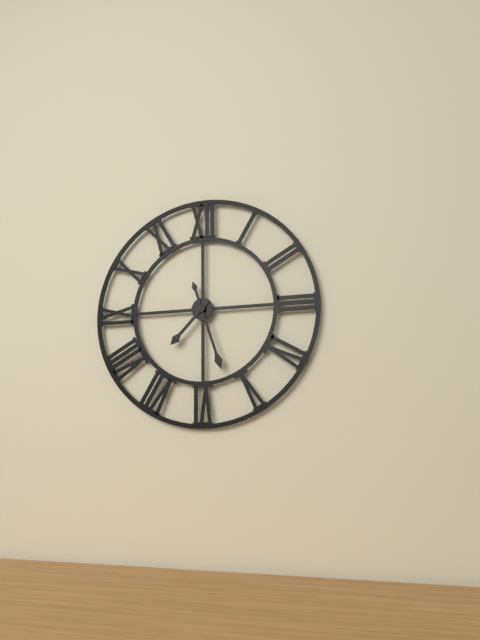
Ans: 7:27
